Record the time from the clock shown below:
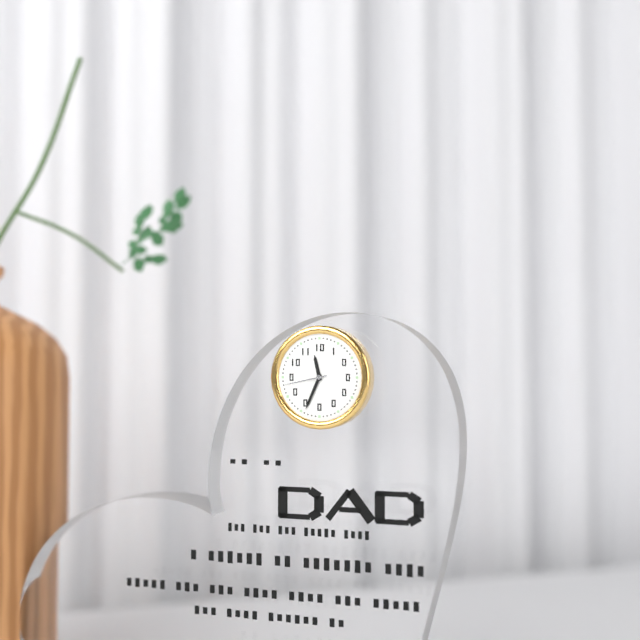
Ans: 11:34
